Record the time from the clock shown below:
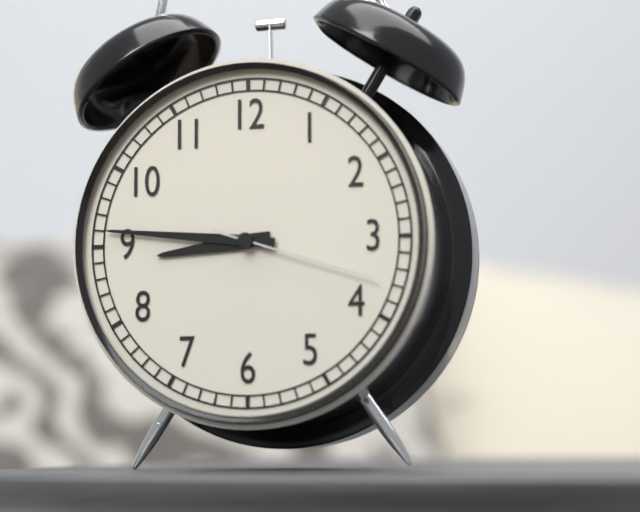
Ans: 8:46:18
